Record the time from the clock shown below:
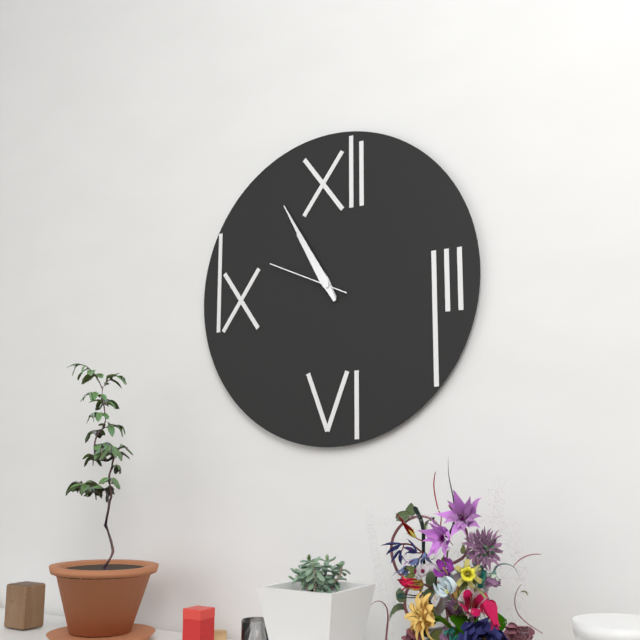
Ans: 10:55:49
